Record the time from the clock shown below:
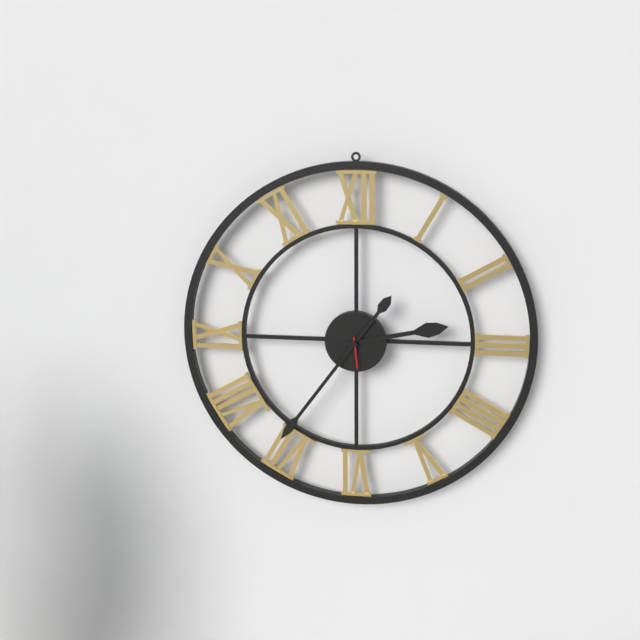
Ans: 2:36
